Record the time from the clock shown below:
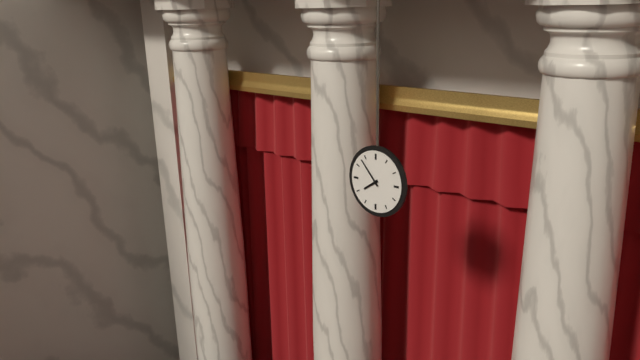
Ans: 7:53
